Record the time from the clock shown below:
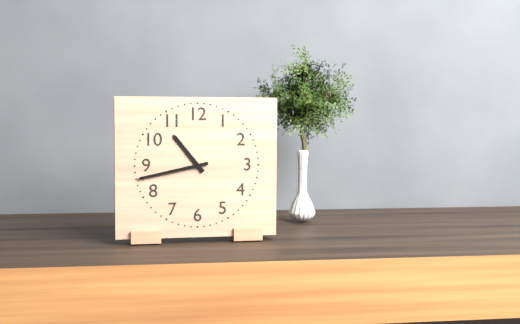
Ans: 10:43
